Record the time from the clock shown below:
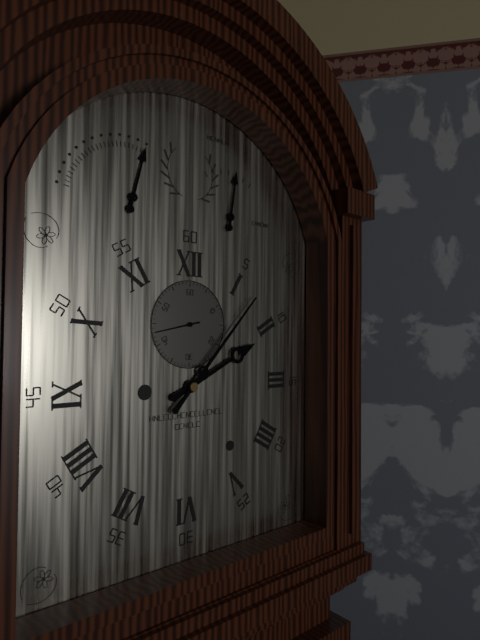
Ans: 2:07
